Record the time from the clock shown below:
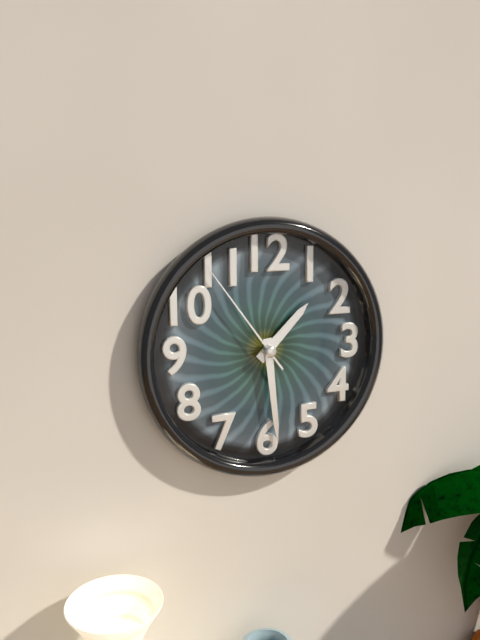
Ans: 1:29:54
